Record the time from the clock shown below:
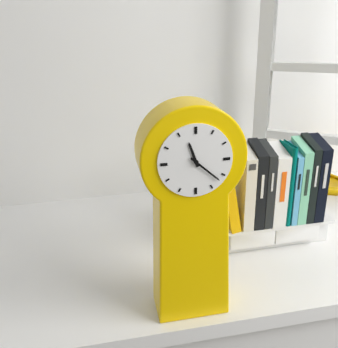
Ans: 11:22
